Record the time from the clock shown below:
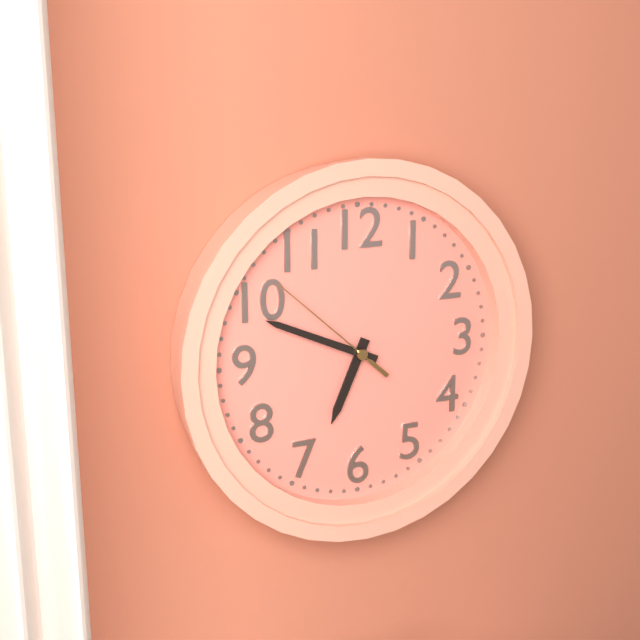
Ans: 6:49:52
